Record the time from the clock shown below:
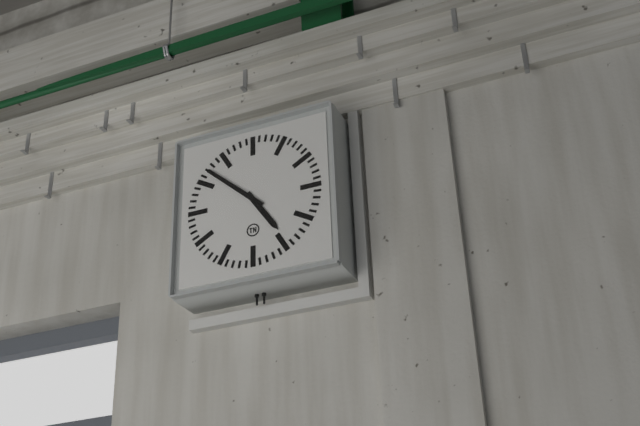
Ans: 4:52
